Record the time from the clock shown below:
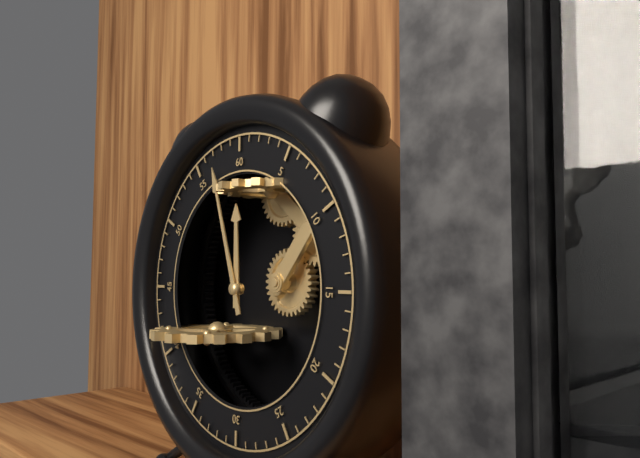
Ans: 11:57
